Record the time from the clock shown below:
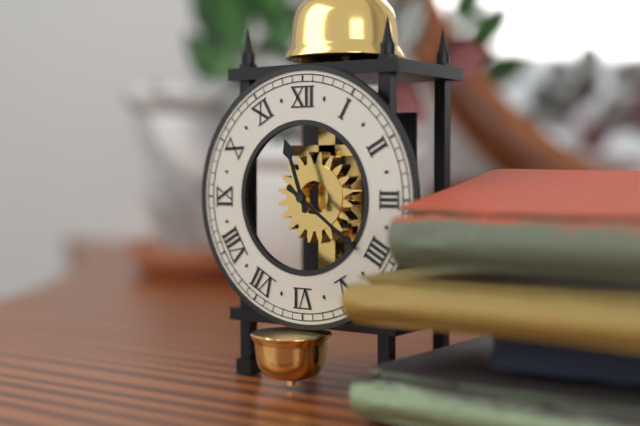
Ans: 11:21
